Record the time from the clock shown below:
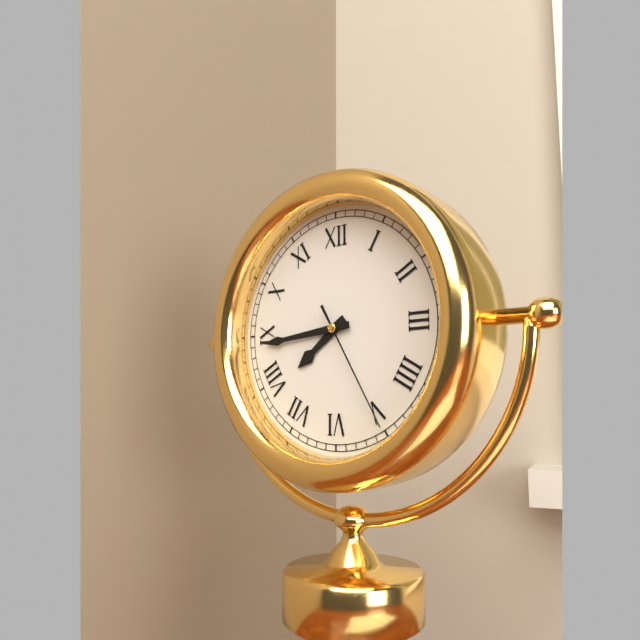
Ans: 7:44:25
